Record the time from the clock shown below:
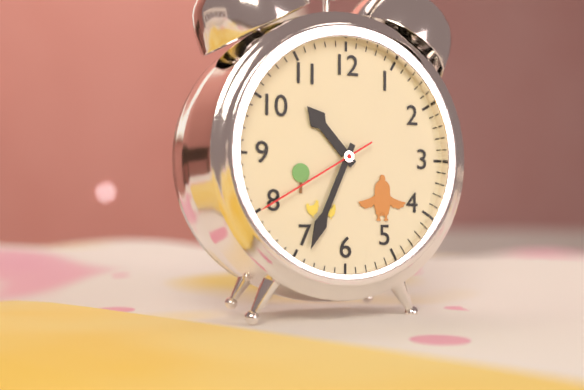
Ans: 10:34:40
